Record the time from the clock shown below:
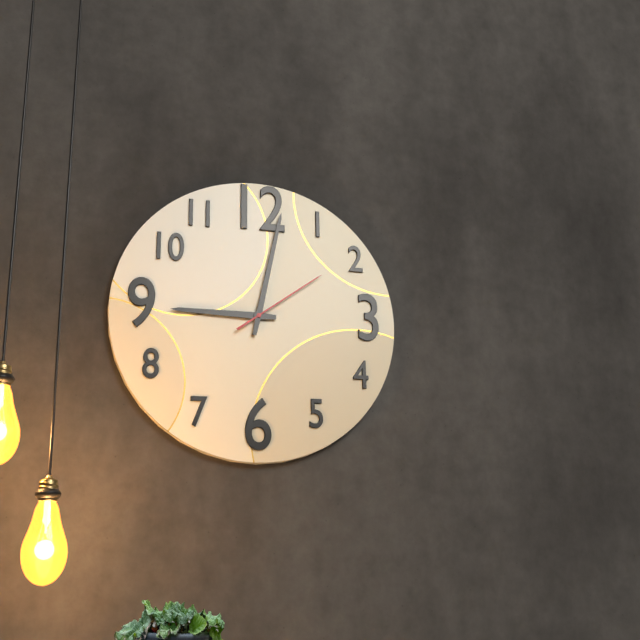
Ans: 9:02:09
